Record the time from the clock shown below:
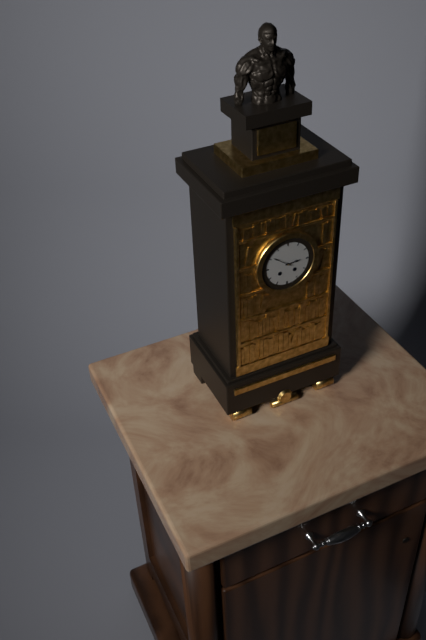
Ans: 2:51
